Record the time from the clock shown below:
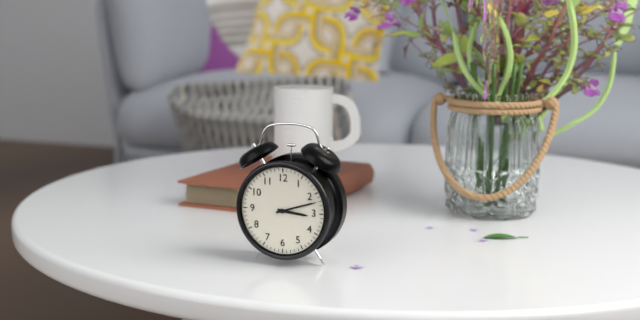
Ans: 3:12
